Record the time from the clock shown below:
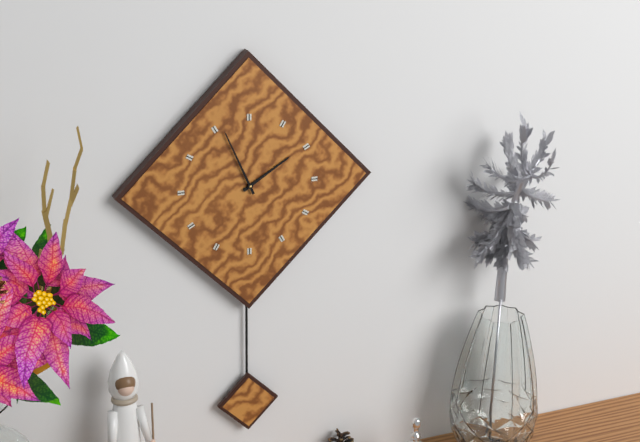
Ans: 1:56
